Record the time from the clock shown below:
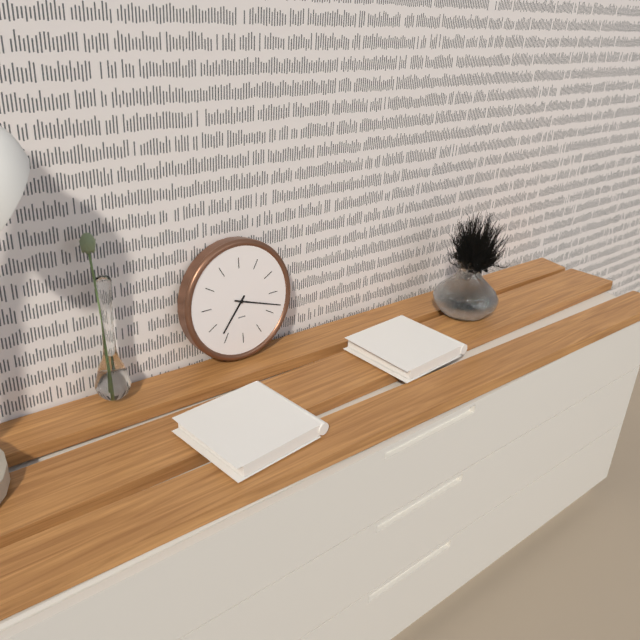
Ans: 7:18
